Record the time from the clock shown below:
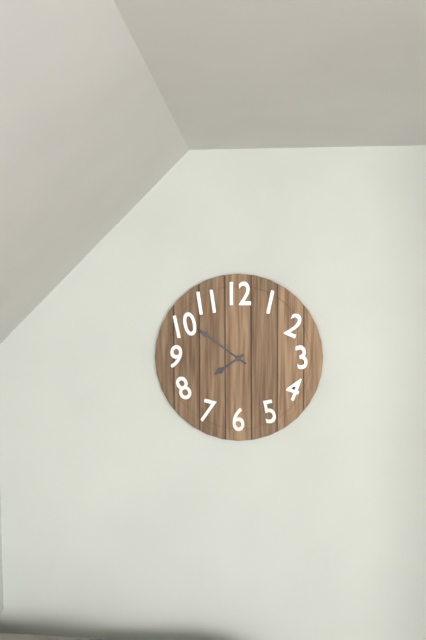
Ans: 7:51
